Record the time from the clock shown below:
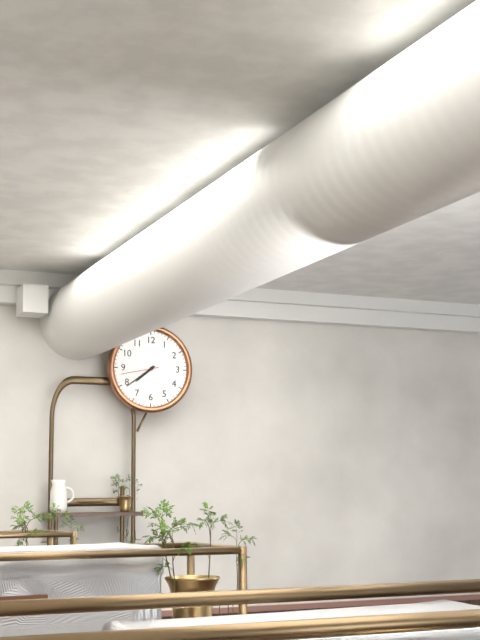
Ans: 7:39
